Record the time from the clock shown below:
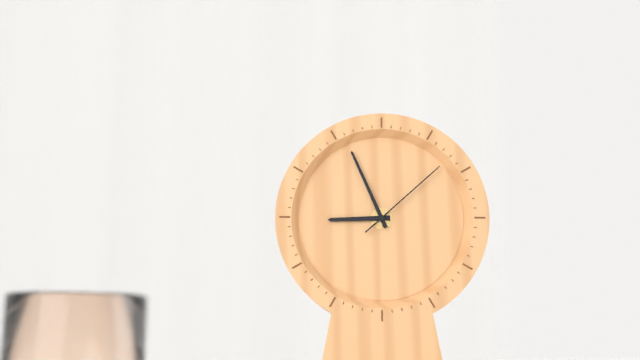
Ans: 8:56:08
